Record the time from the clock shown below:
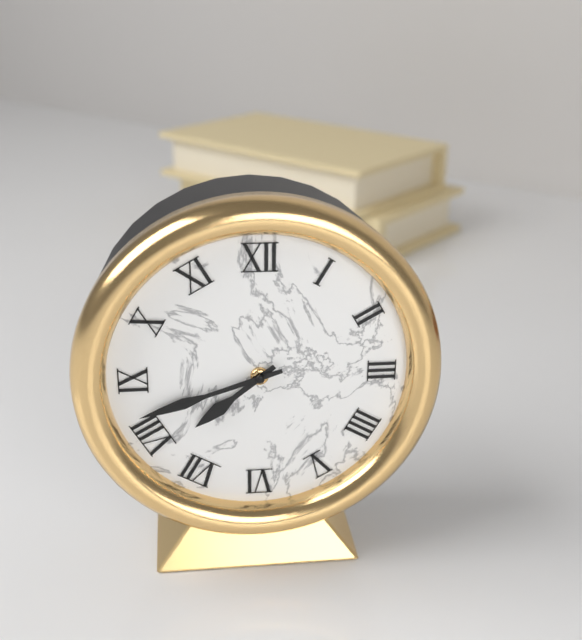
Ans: 7:42
